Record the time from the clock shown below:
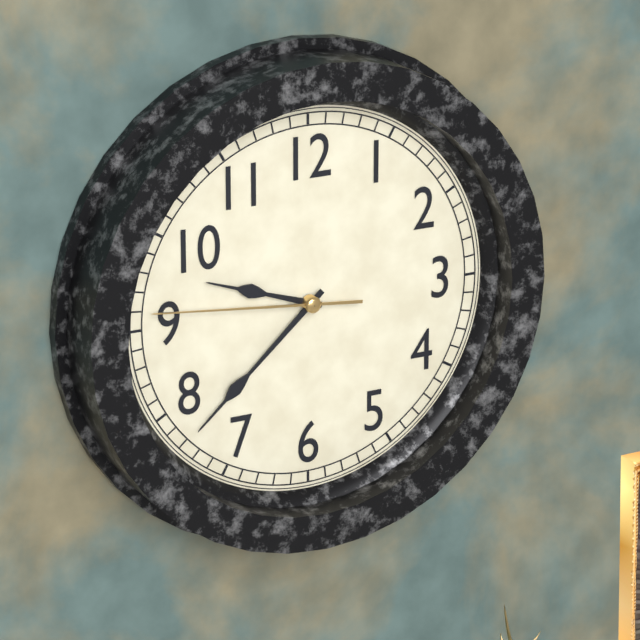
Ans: 9:38:46
